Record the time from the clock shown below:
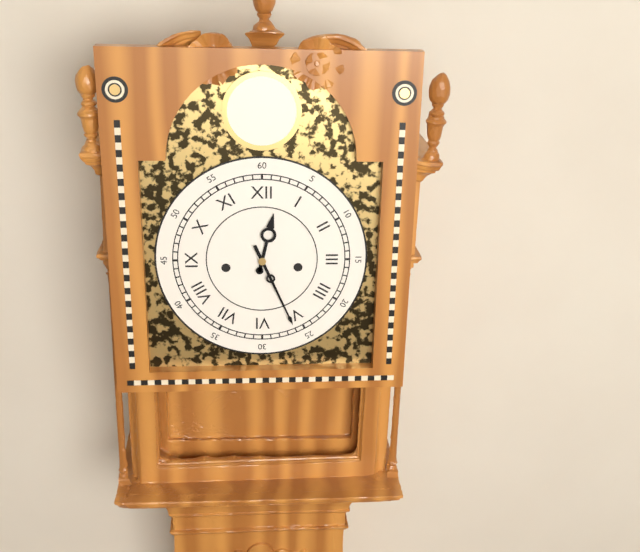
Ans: 12:26
